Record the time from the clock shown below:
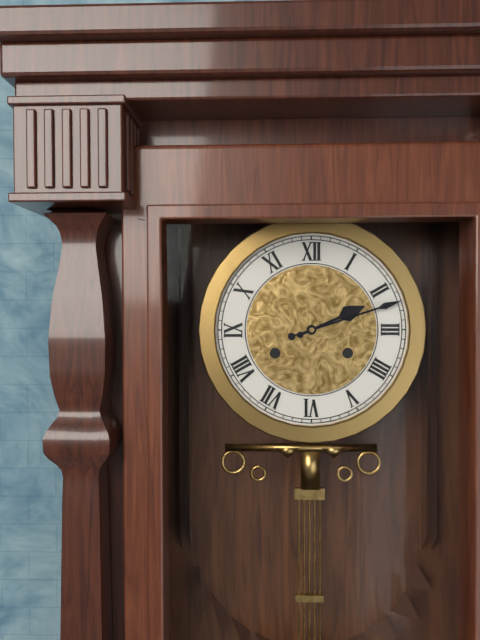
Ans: 2:12
